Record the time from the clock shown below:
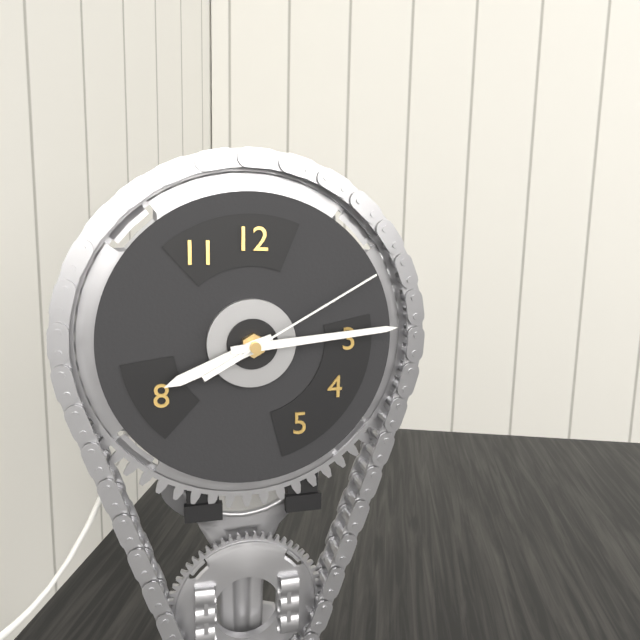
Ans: 8:14:10
